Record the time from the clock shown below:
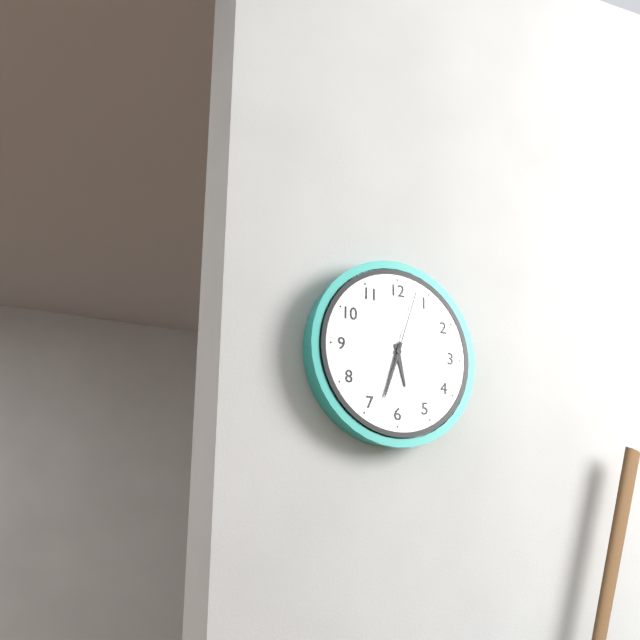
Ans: 5:33:03
